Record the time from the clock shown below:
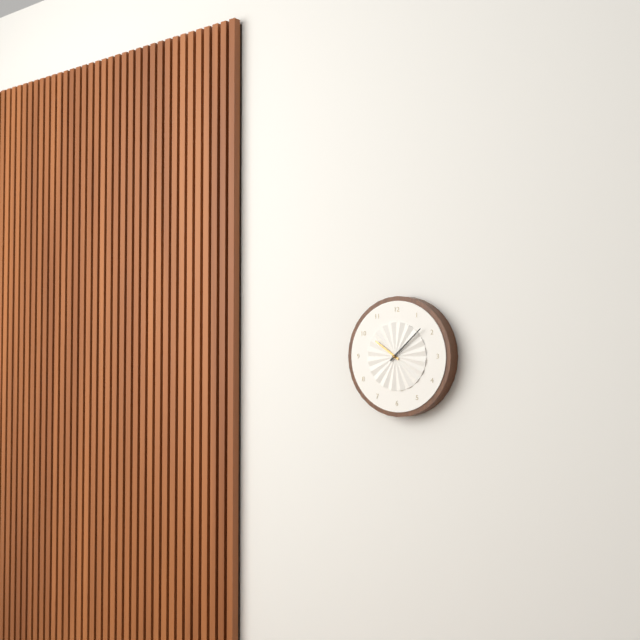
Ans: 10:08
